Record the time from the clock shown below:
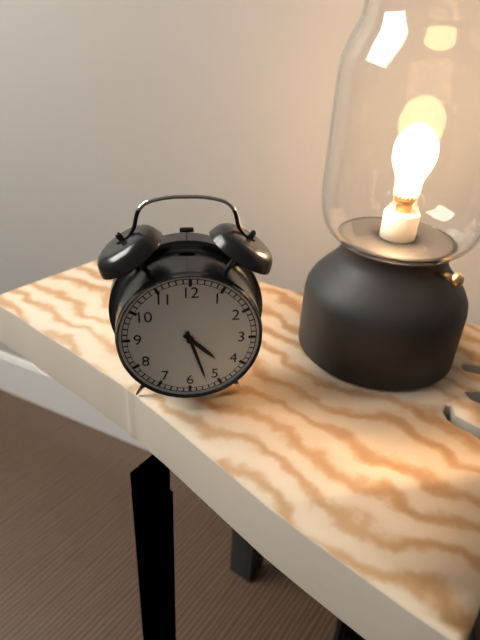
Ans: 4:27
